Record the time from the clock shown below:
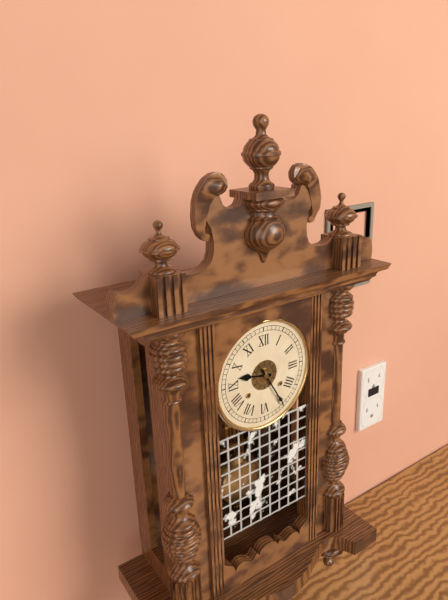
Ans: 9:25
